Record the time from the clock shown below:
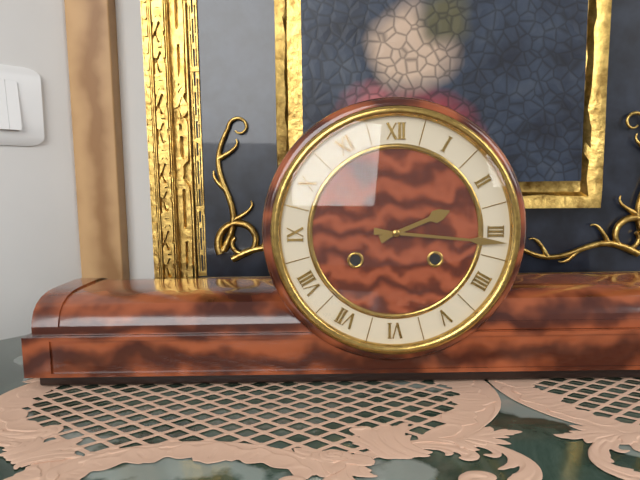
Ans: 2:16
